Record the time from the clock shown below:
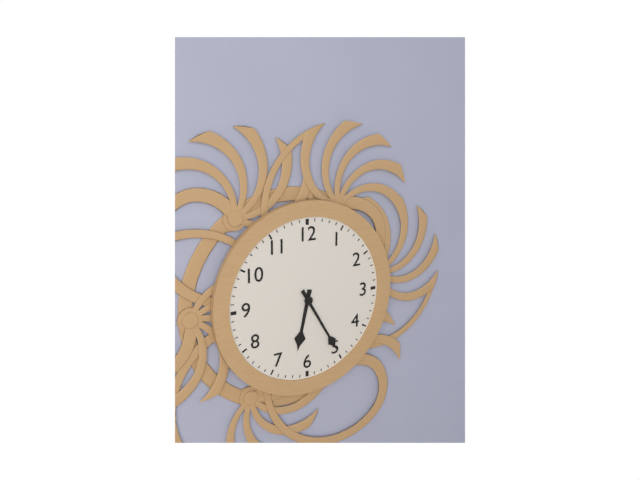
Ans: 6:25
